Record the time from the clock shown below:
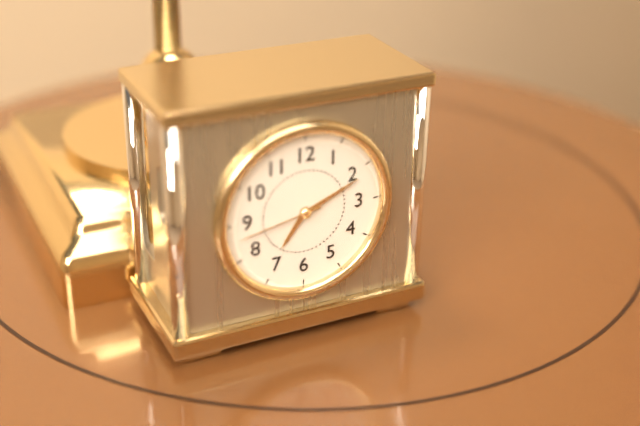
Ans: 7:11:43
